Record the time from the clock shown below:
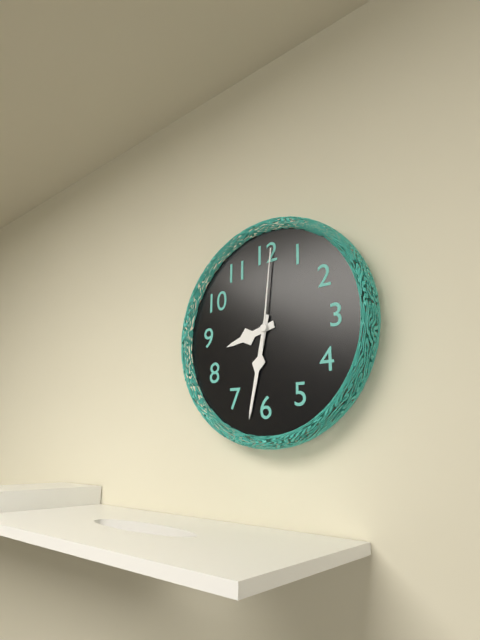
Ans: 8:32:01
